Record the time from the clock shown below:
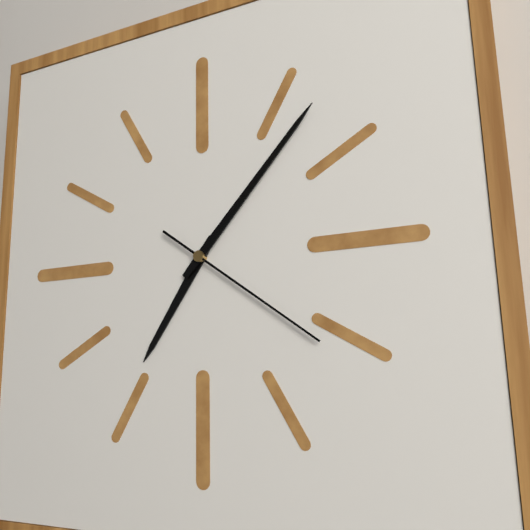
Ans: 7:07:21
